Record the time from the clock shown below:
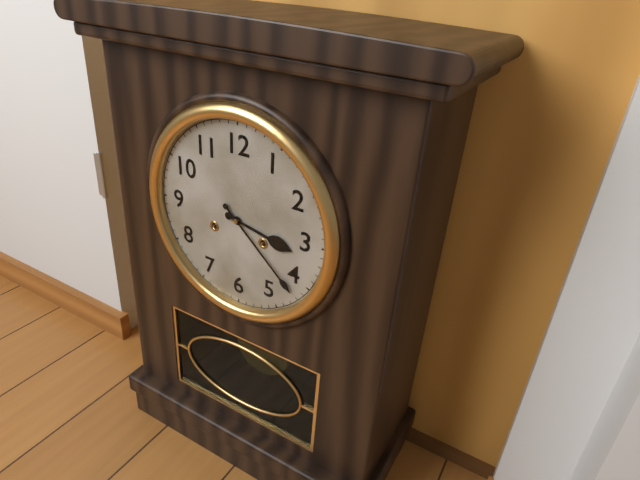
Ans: 3:22
